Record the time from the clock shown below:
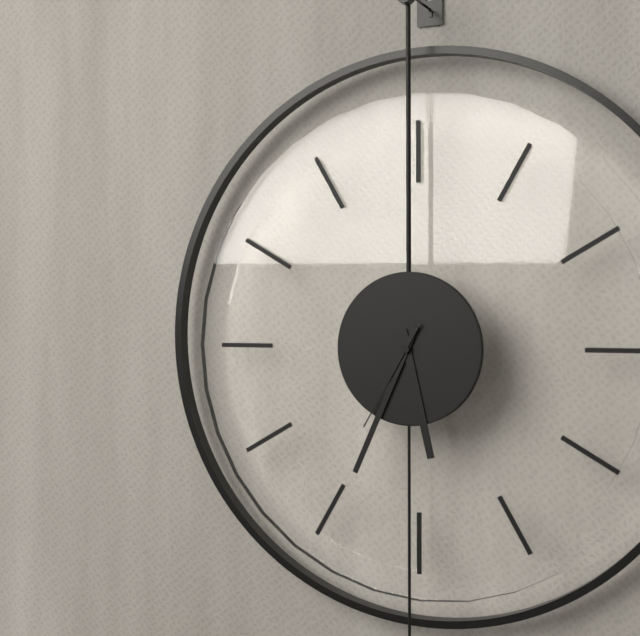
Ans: 5:34:35
